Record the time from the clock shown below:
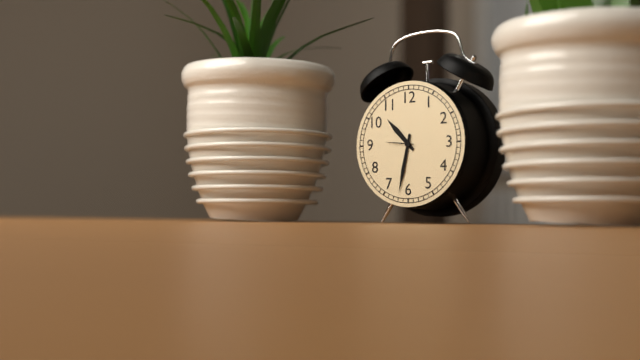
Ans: 10:32
